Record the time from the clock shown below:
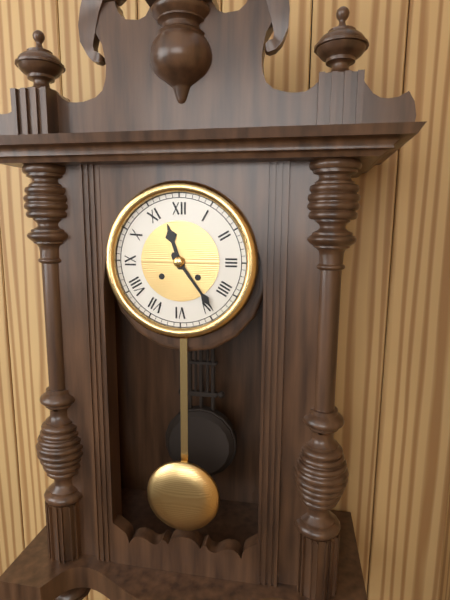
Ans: 11:24
